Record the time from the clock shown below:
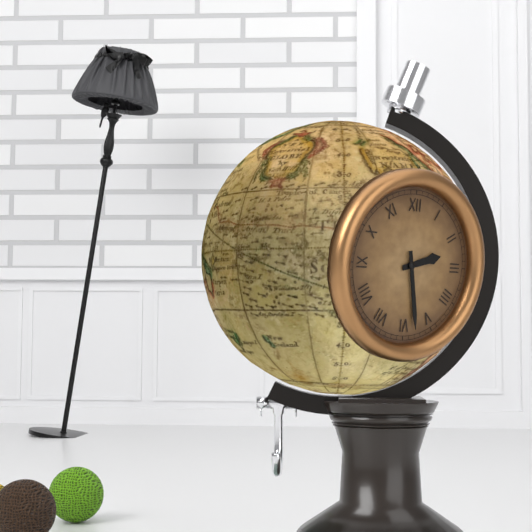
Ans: 2:28
